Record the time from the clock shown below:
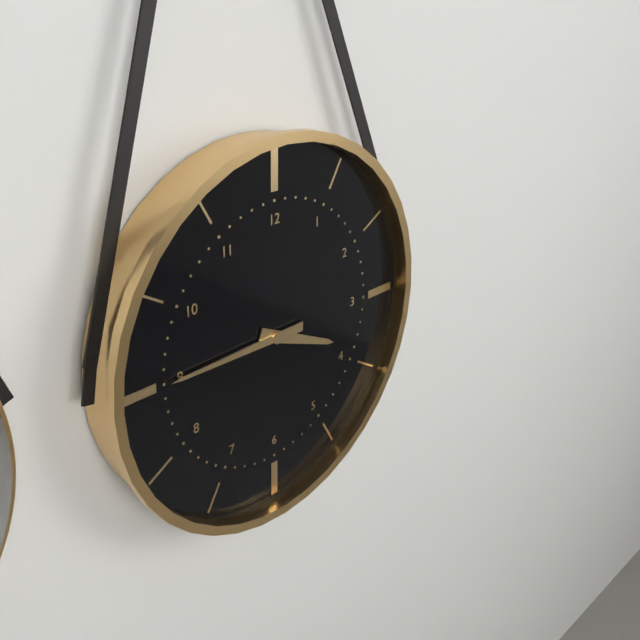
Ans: 3:45
